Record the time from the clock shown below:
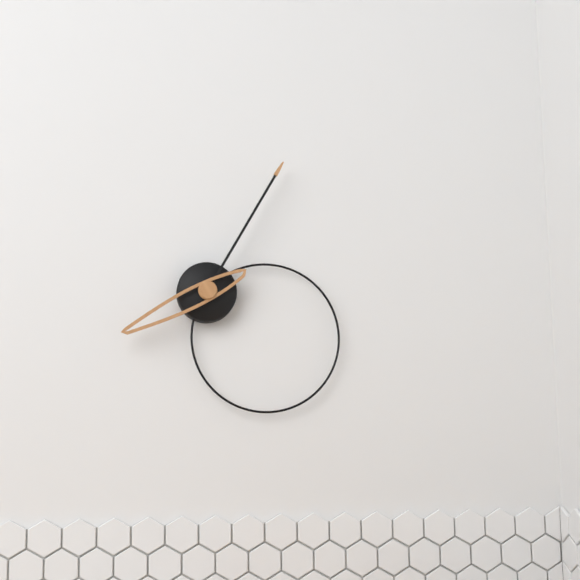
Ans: 8:05
